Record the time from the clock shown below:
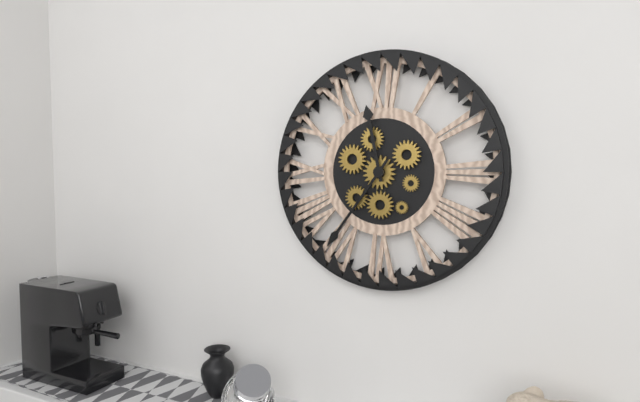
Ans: 11:36
